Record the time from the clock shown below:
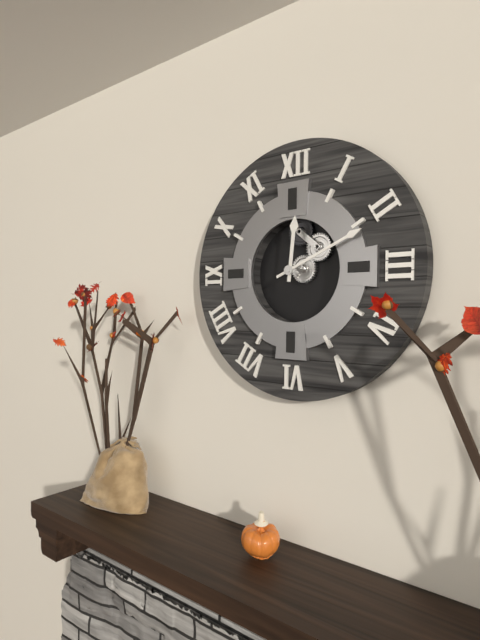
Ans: 12:11
